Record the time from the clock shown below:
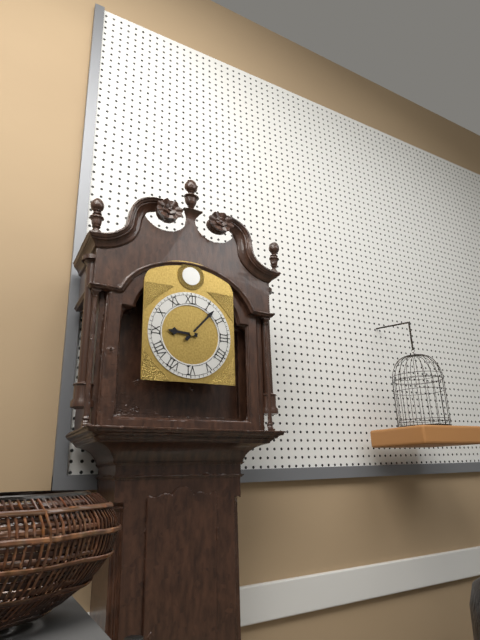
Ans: 9:07
